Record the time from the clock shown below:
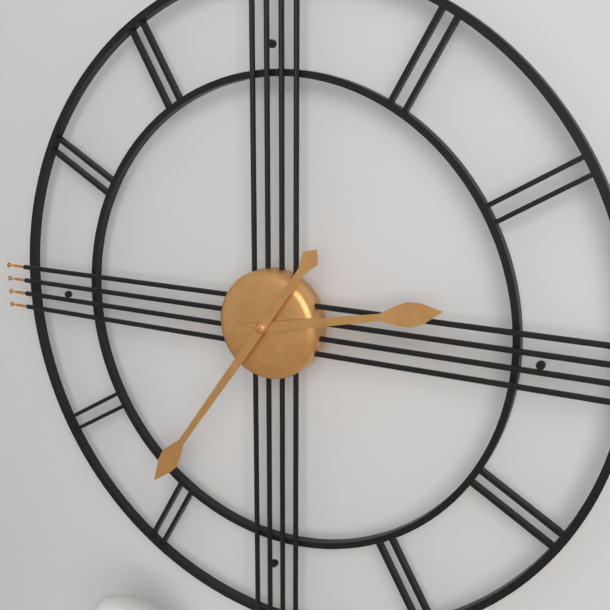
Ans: 2:36
